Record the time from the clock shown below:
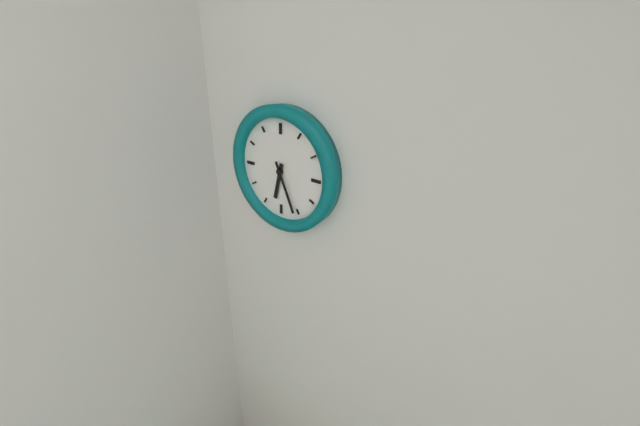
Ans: 6:26
